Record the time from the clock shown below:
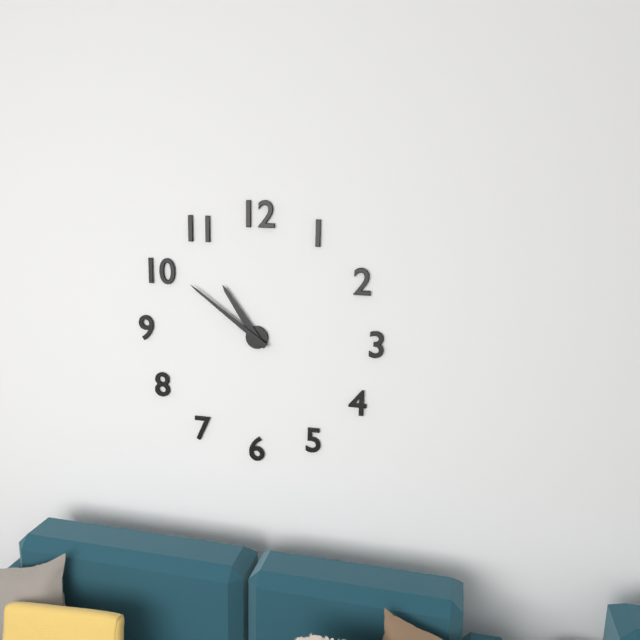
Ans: 10:51
